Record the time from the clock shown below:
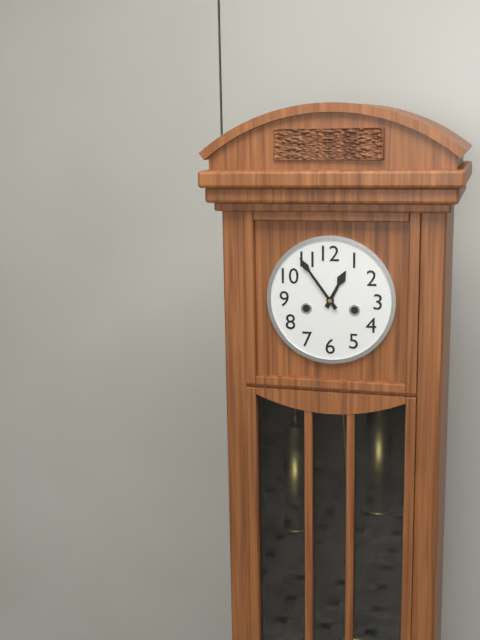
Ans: 12:54
